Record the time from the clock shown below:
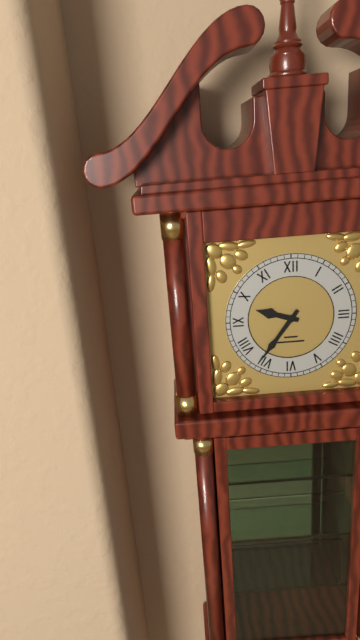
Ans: 9:36
